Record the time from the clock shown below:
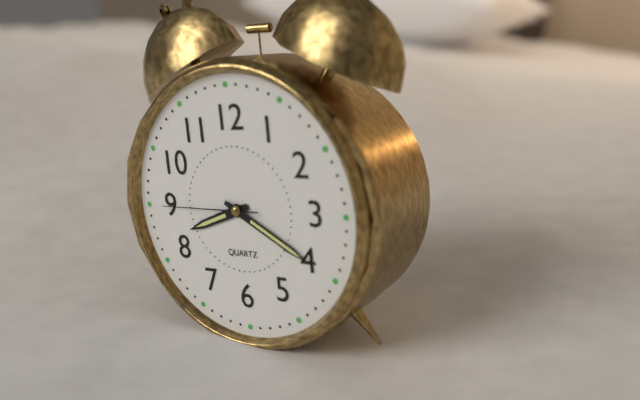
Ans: 8:20:45
